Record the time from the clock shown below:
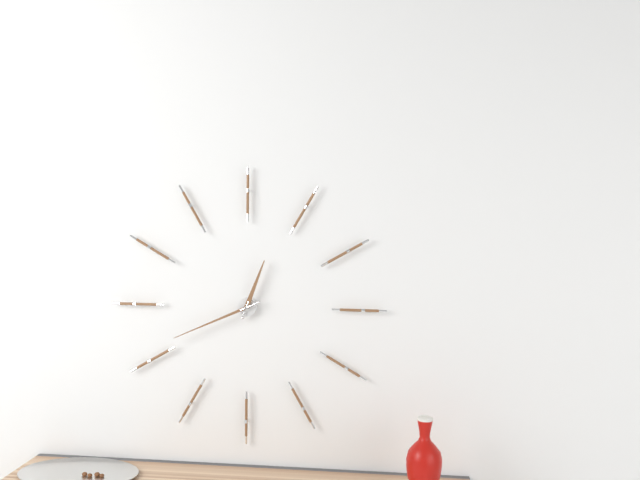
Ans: 12:41
